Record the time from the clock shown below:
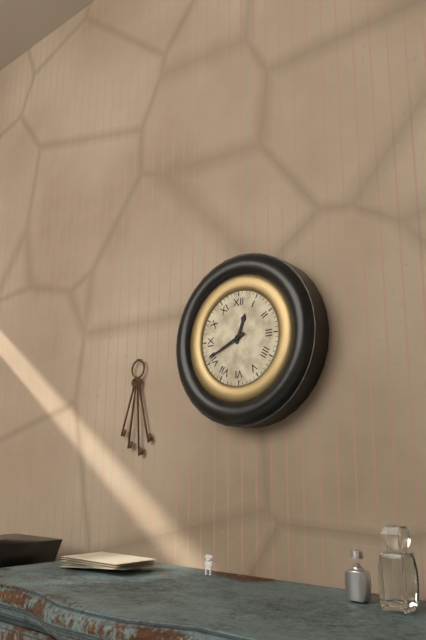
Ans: 12:41
